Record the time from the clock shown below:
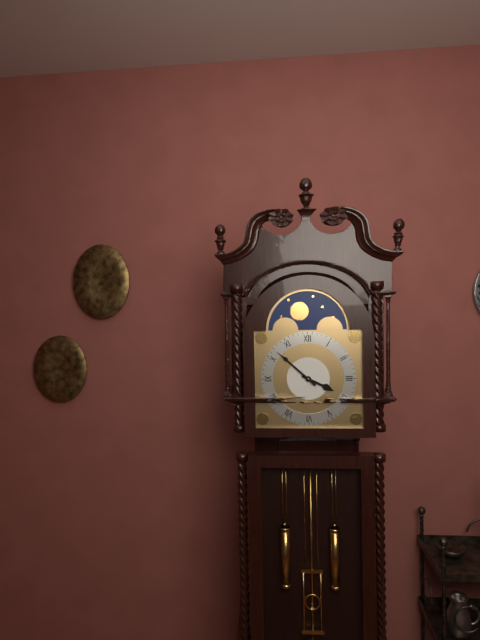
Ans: 3:52
